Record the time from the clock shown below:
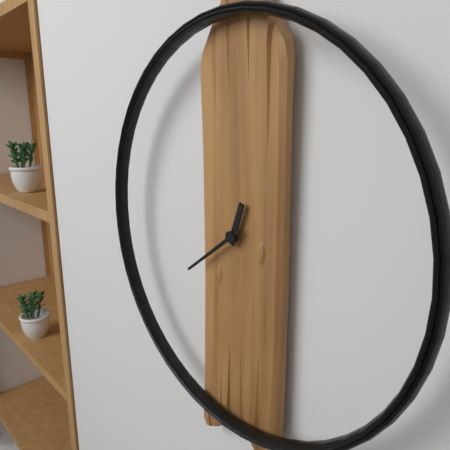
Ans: 12:39
